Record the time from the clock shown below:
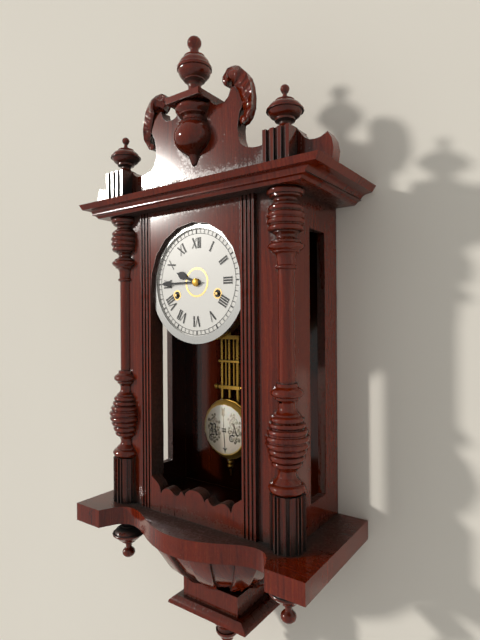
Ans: 9:45
